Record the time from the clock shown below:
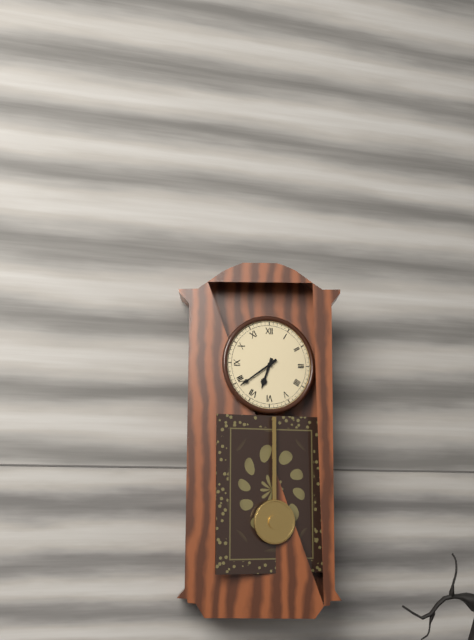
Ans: 6:39
